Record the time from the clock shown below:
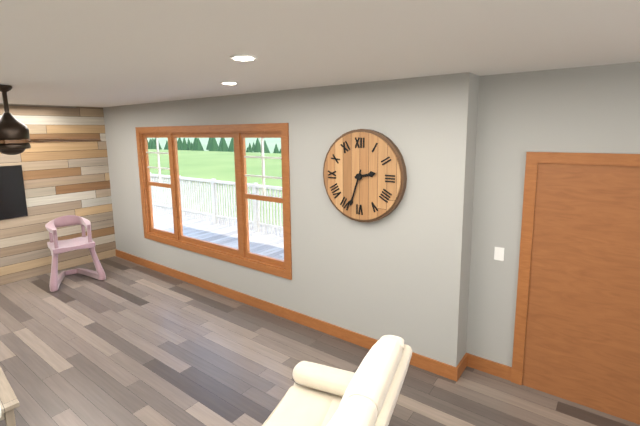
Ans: 2:33
